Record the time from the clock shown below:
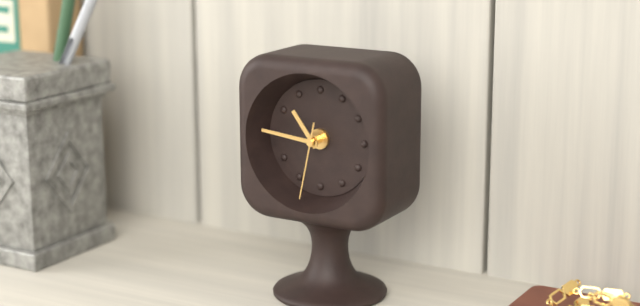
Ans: 10:46:32
